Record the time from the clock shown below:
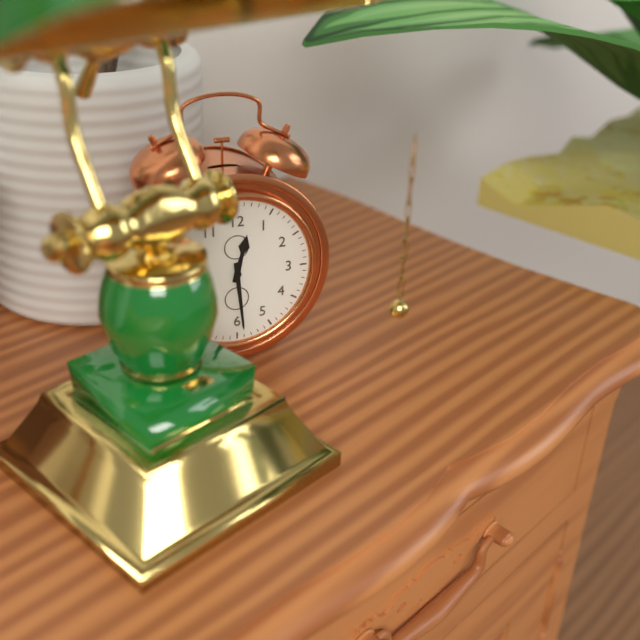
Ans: 12:29
